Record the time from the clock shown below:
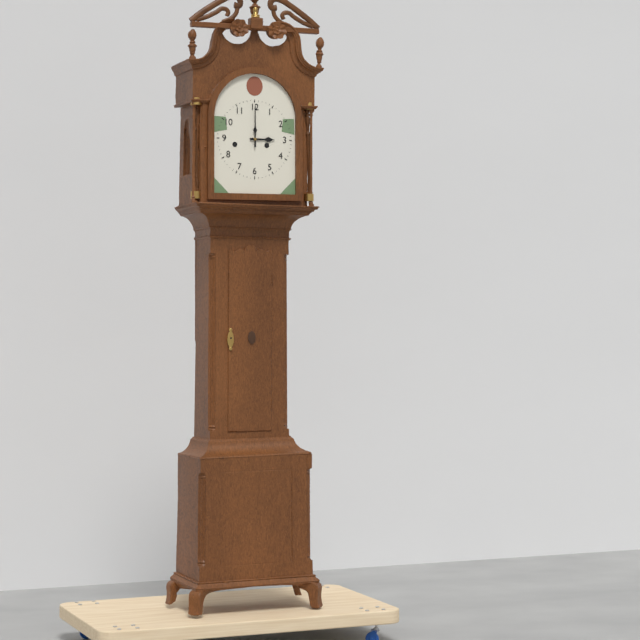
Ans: 3:00
